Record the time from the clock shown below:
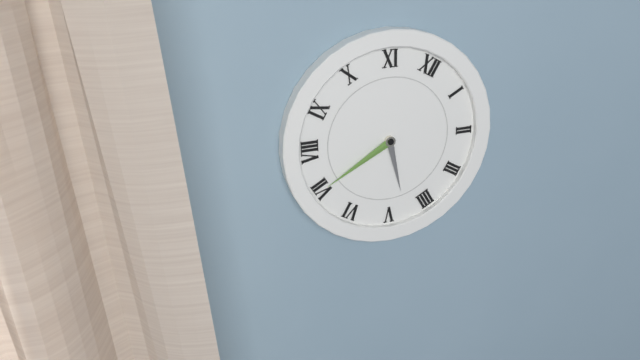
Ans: 4:35
